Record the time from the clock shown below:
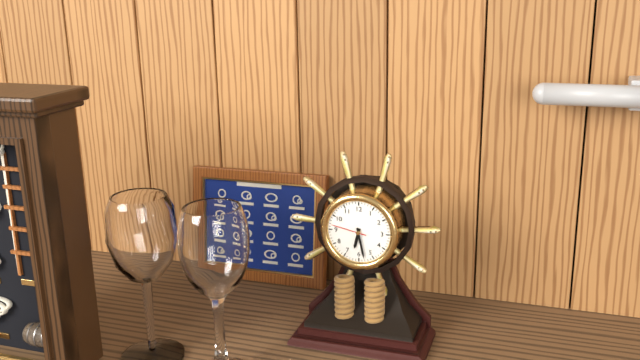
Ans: 6:28
